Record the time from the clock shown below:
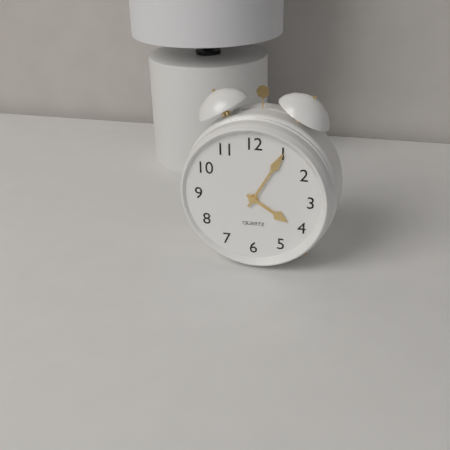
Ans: 4:05
